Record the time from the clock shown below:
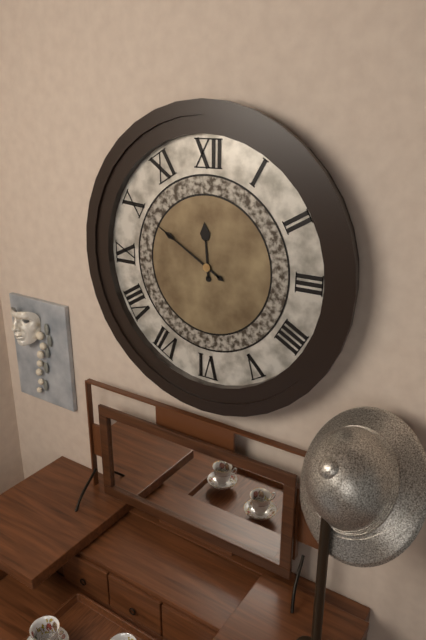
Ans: 11:50
